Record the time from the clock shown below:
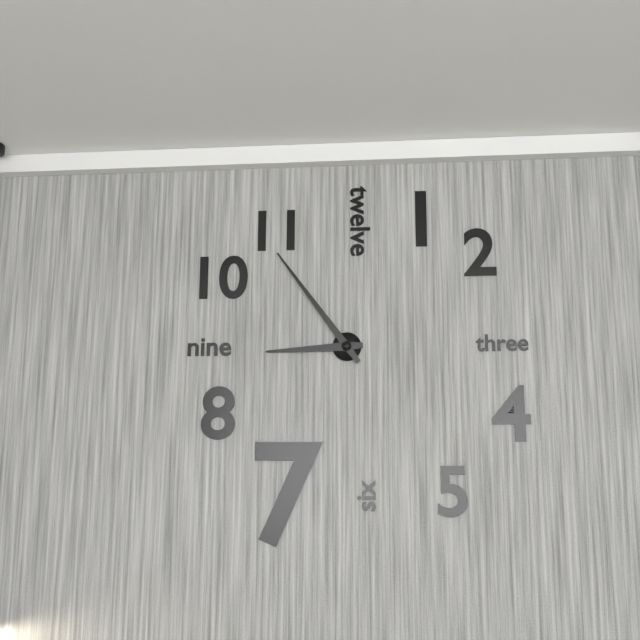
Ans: 8:54
